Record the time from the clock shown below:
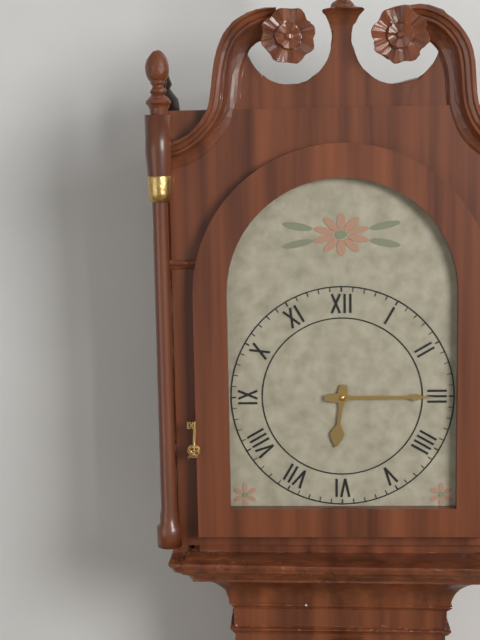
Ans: 6:15
